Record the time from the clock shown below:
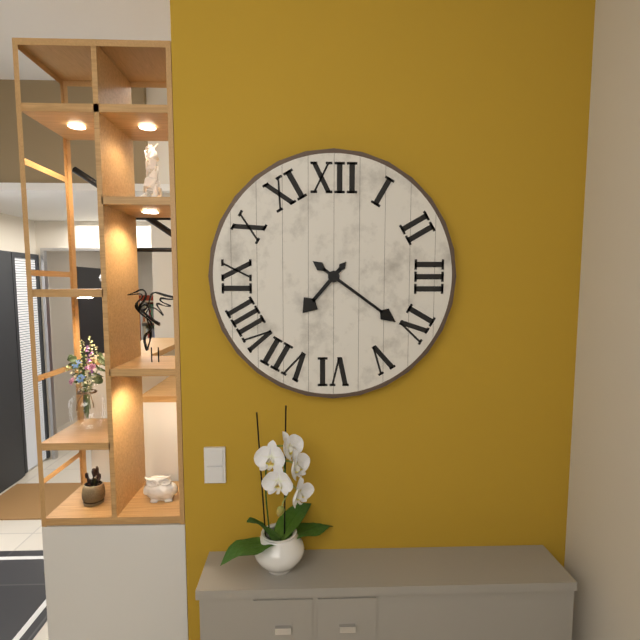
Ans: 7:21
